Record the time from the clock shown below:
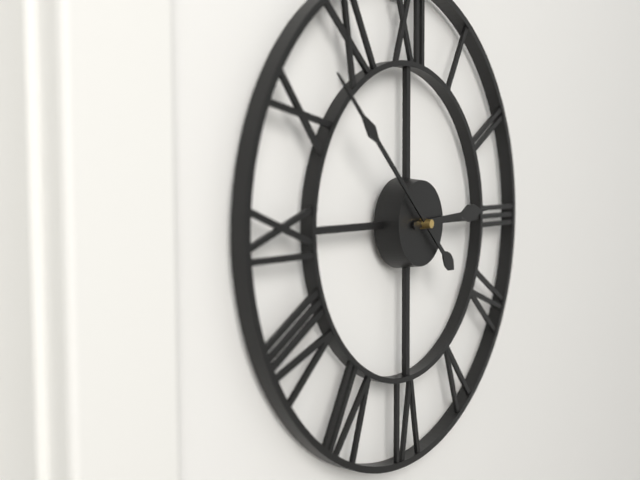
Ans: 2:52
